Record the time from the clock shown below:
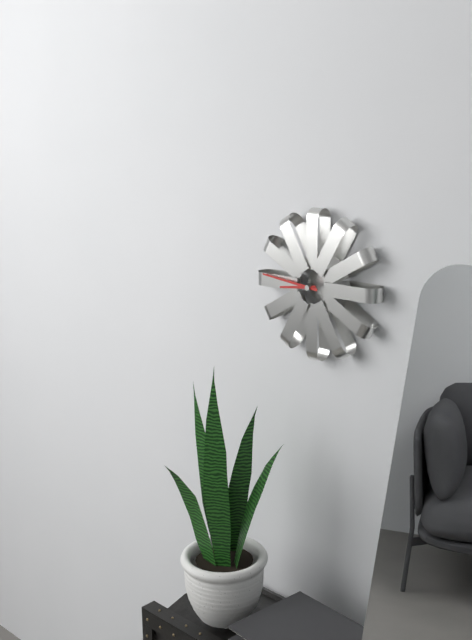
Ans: 8:46
